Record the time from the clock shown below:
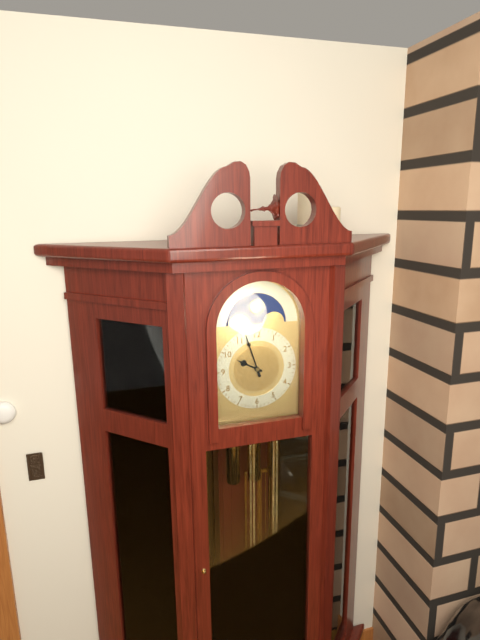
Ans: 9:57
